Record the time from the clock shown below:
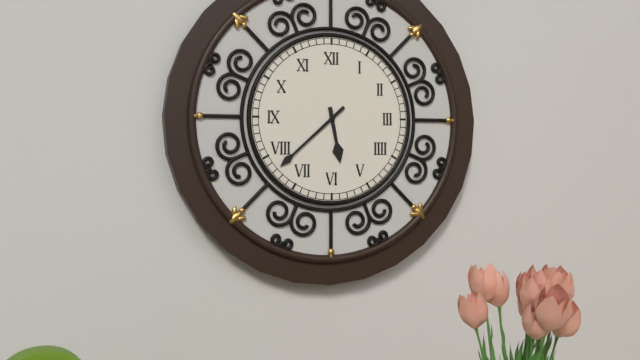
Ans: 5:38
